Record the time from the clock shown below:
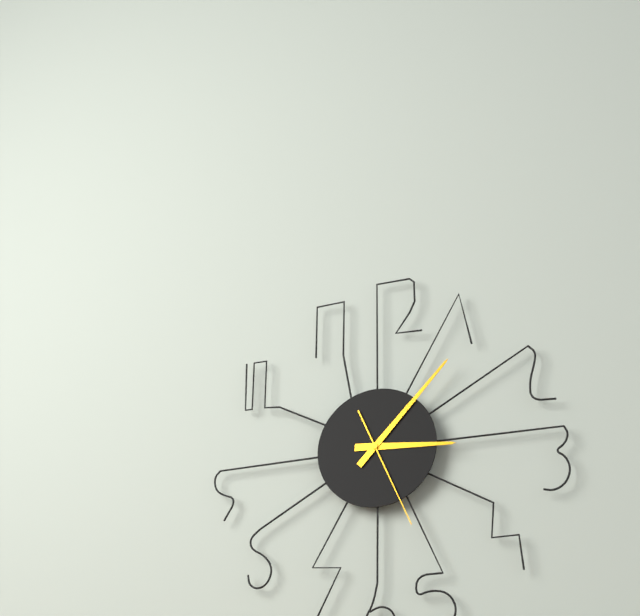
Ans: 3:07:26
